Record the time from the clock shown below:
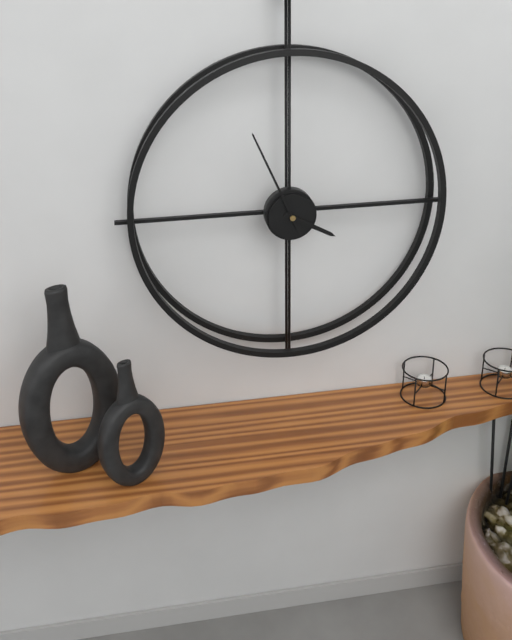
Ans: 3:56
